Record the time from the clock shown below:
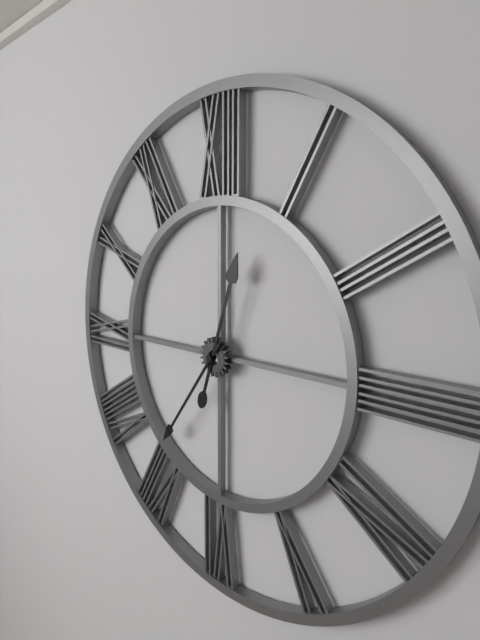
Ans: 12:36
